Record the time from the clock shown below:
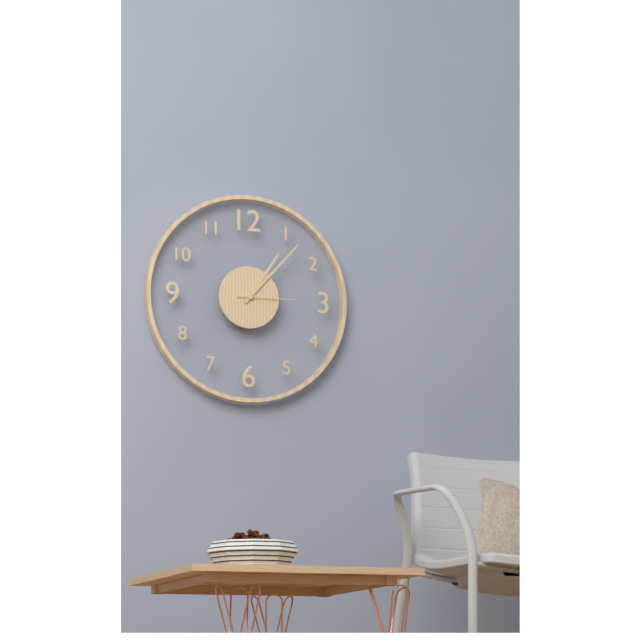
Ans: 1:07:15
